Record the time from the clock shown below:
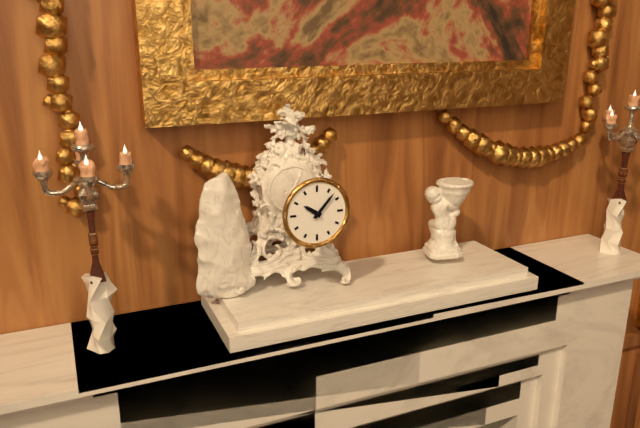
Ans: 10:07
